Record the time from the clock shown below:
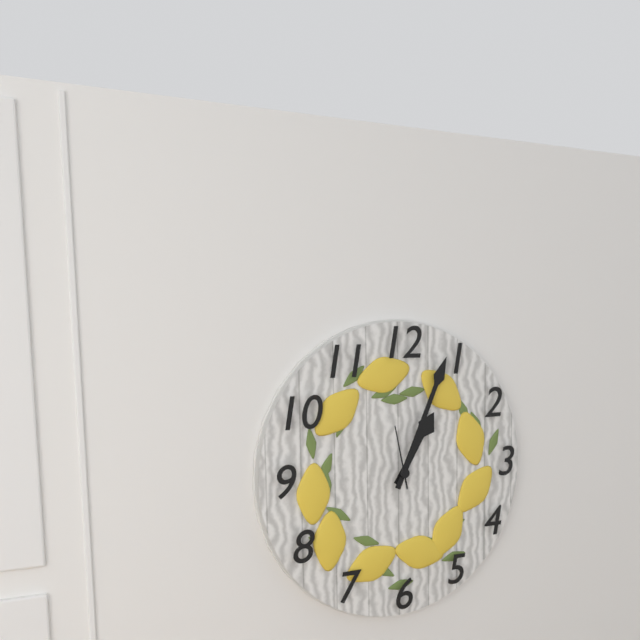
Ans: 1:04:58
